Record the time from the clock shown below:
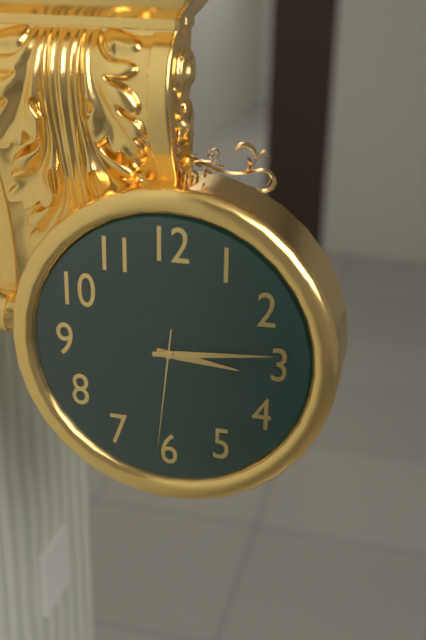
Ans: 3:14:31
